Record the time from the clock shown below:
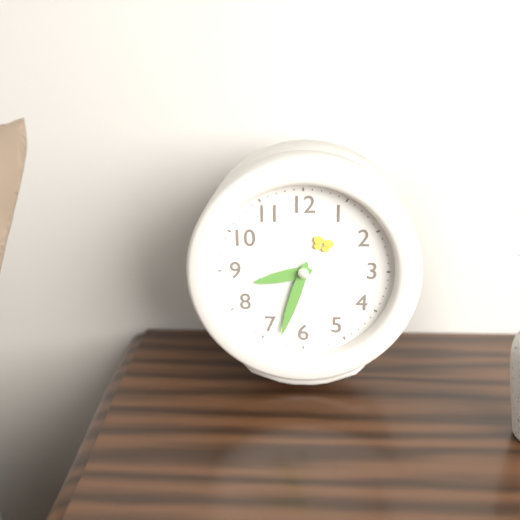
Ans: 8:33
